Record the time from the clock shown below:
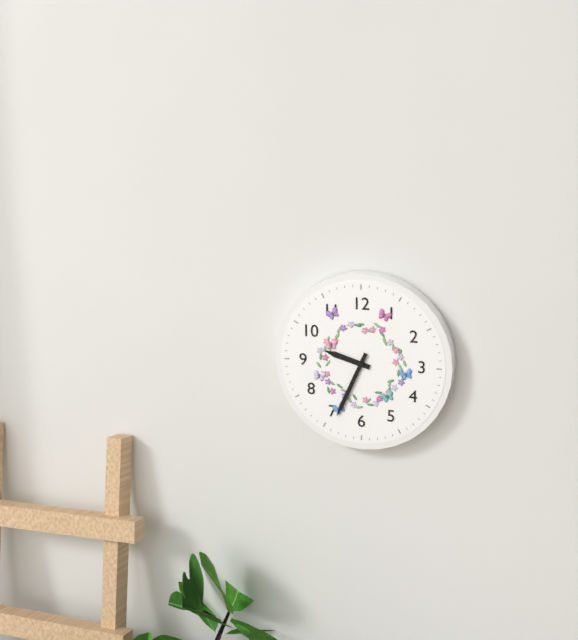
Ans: 9:34
